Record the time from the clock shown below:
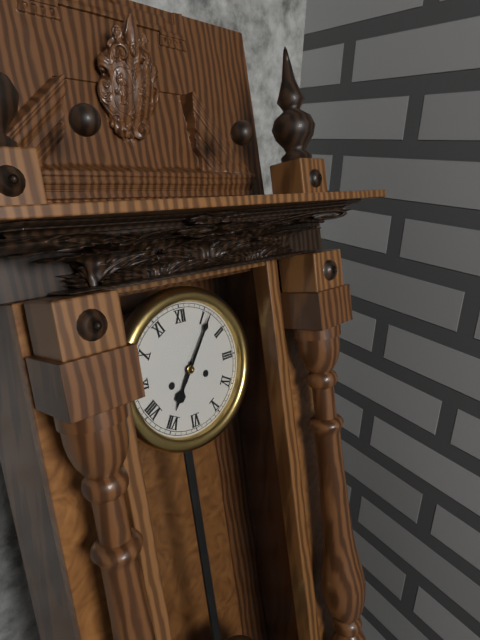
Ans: 7:06
